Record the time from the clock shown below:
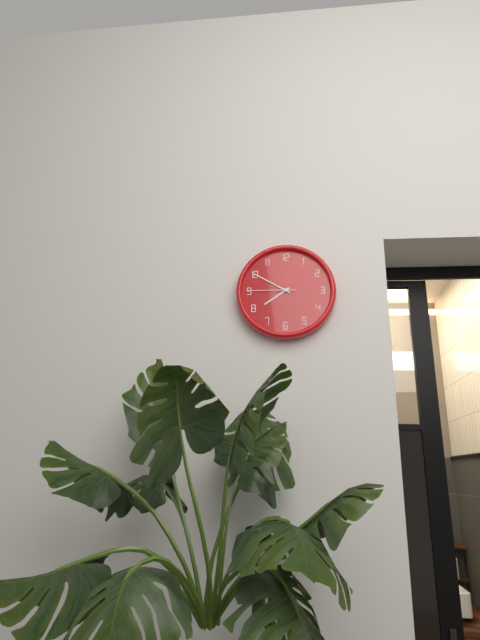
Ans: 7:50
